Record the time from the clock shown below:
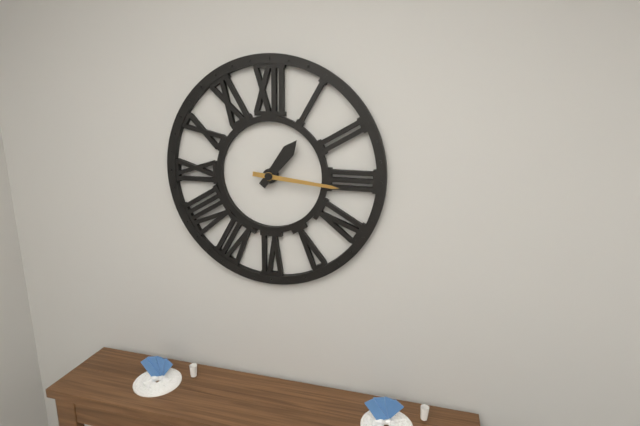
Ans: 1:16
